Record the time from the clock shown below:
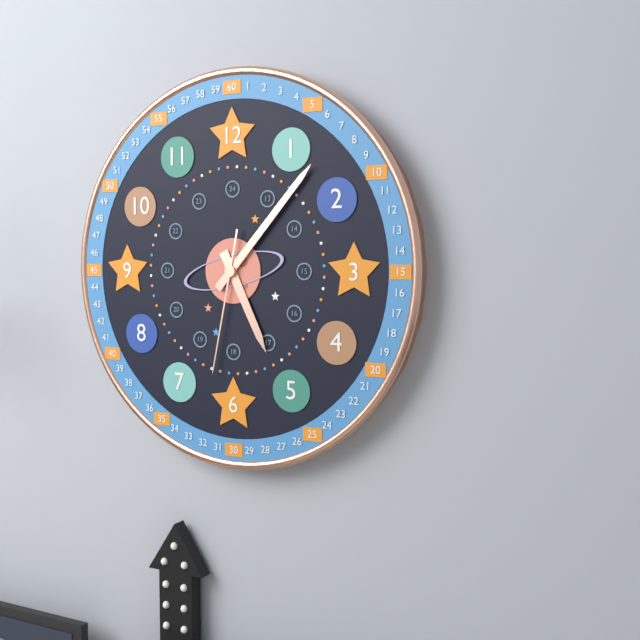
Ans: 5:07:32
